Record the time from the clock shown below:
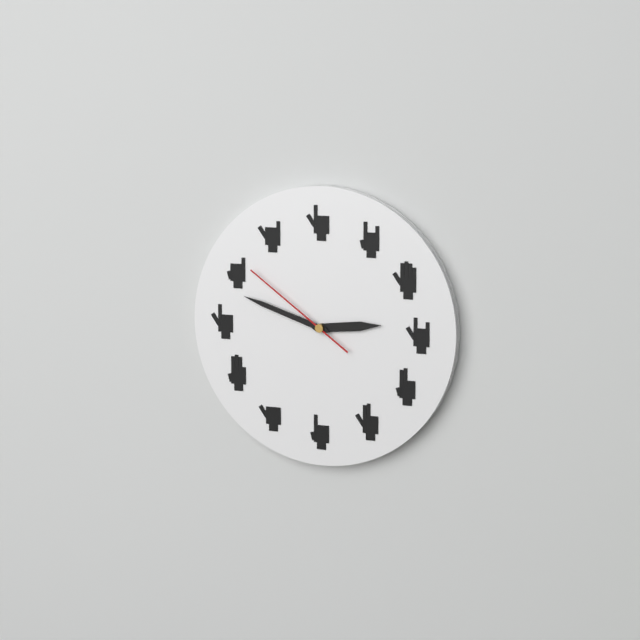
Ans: 2:48:51
